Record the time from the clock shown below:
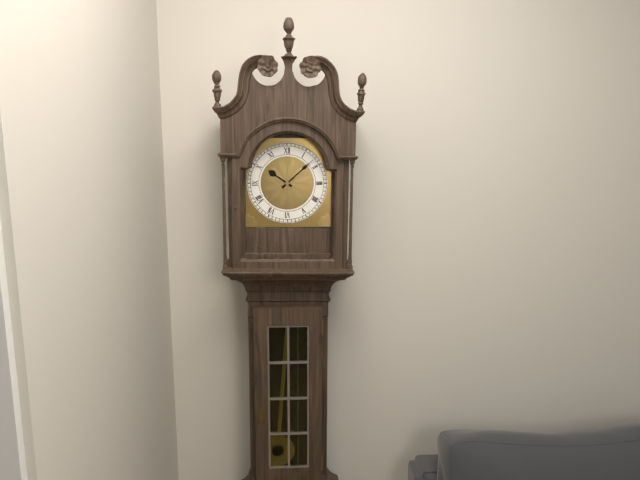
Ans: 10:08
